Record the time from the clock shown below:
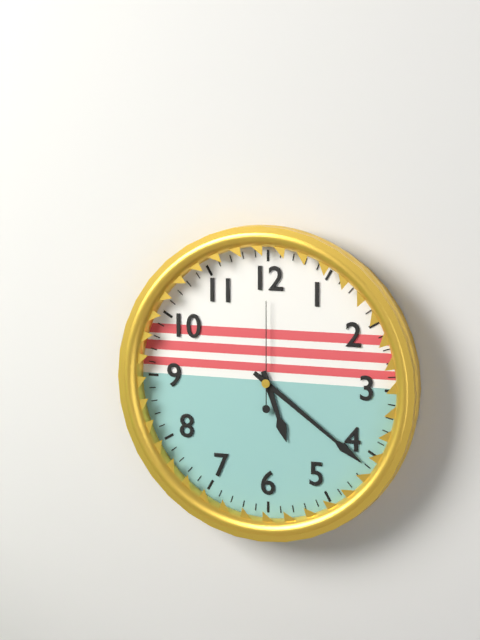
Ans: 5:21:00
